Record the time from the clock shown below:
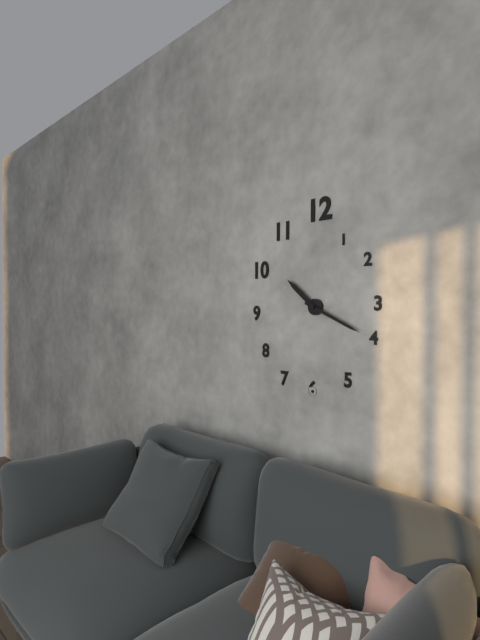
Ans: 10:19
